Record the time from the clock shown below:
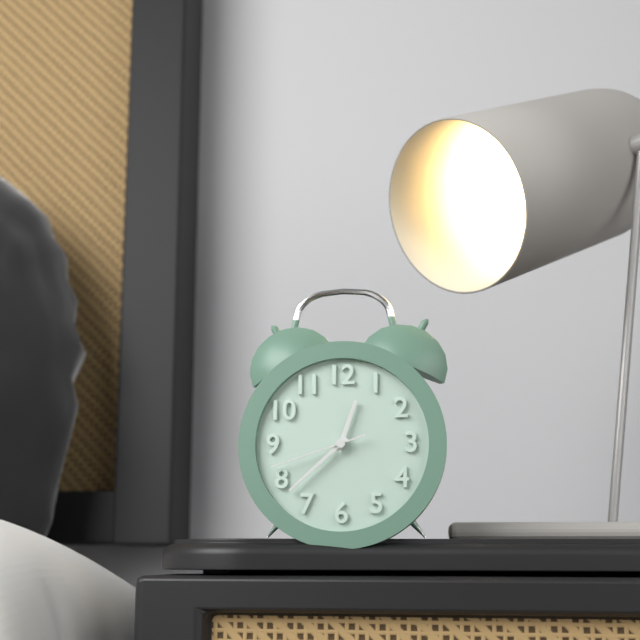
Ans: 12:38:42
